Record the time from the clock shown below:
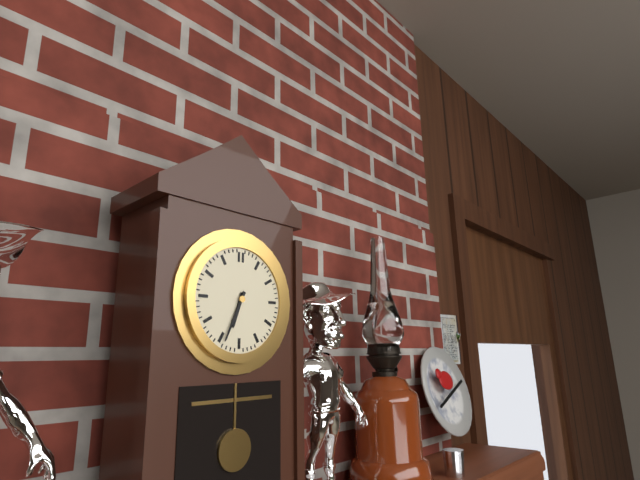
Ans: 6:34
